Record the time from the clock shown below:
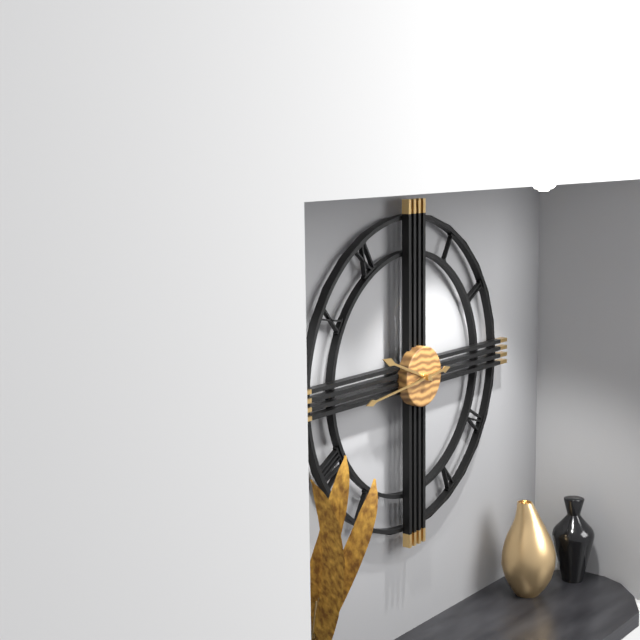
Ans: 9:44
